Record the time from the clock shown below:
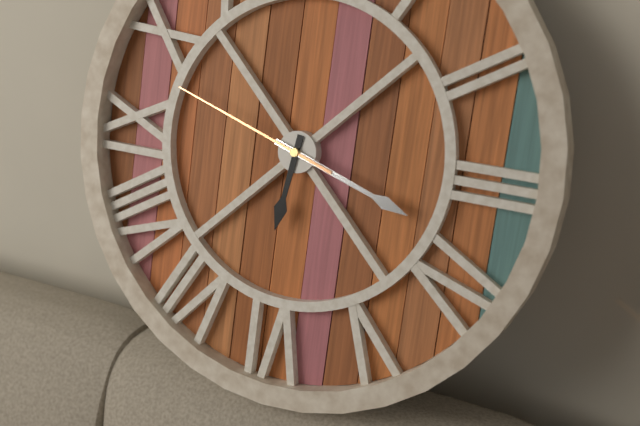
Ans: 6:18:48
